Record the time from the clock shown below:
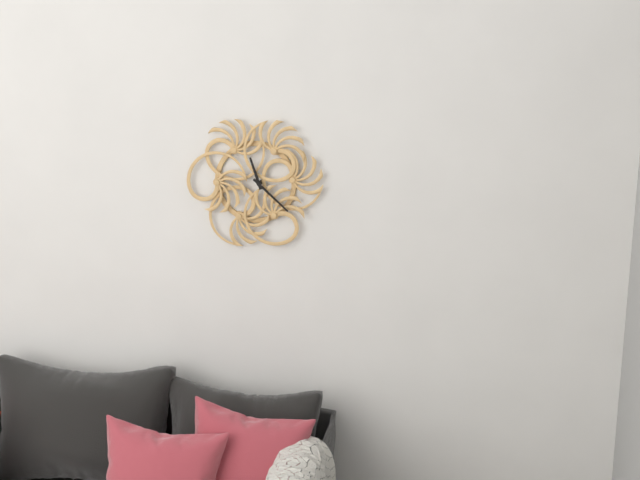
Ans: 11:22
